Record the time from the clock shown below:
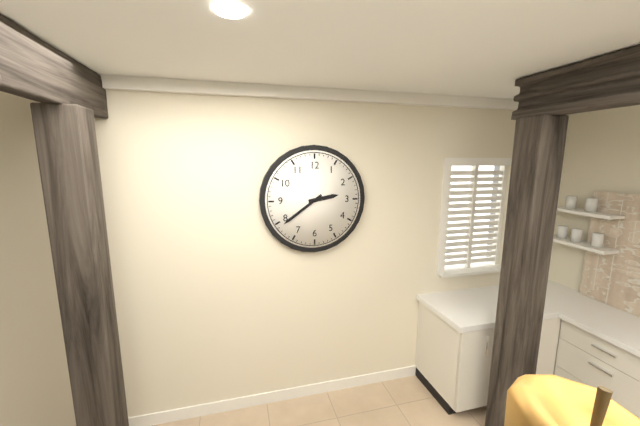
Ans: 2:39
